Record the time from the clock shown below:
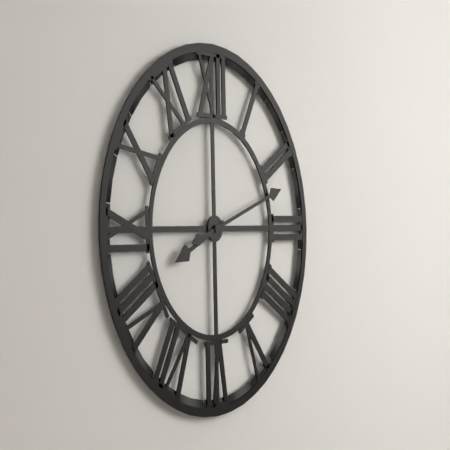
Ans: 8:12
